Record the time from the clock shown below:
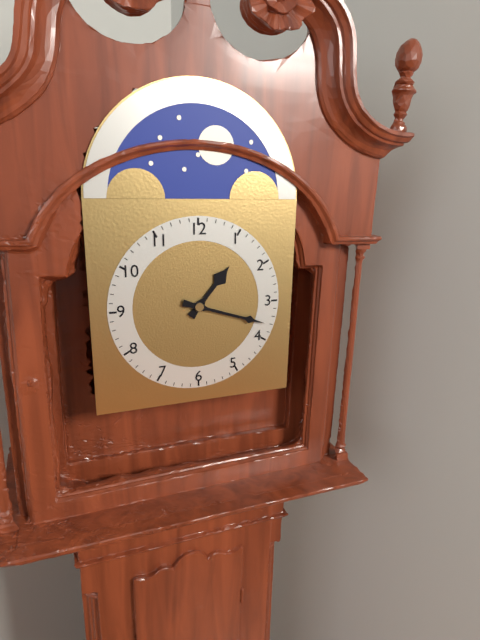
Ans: 1:18
